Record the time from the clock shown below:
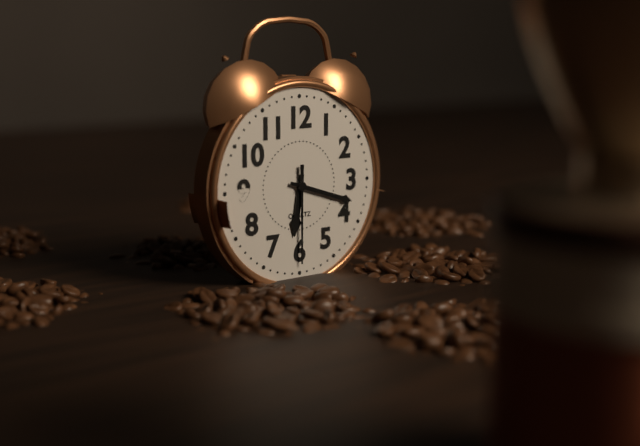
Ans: 6:18:30
